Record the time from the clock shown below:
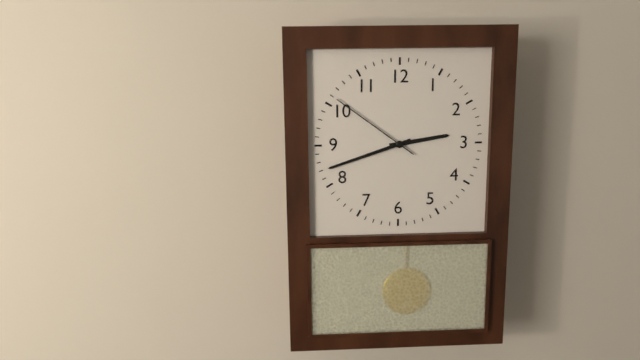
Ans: 2:42:51
